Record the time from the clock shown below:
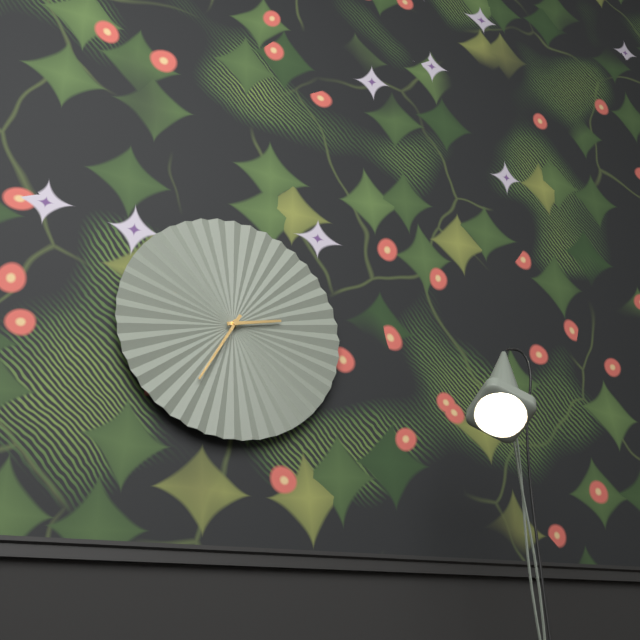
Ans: 2:35
